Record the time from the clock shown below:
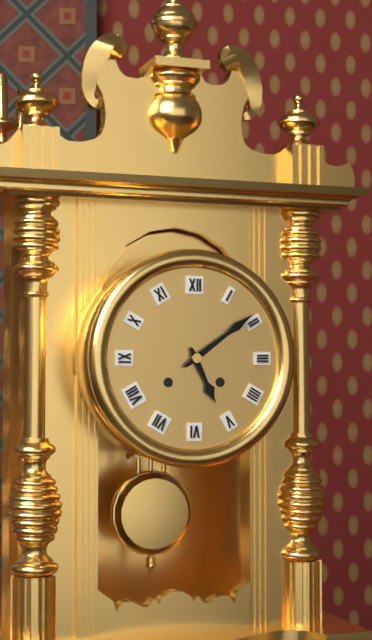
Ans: 5:09
